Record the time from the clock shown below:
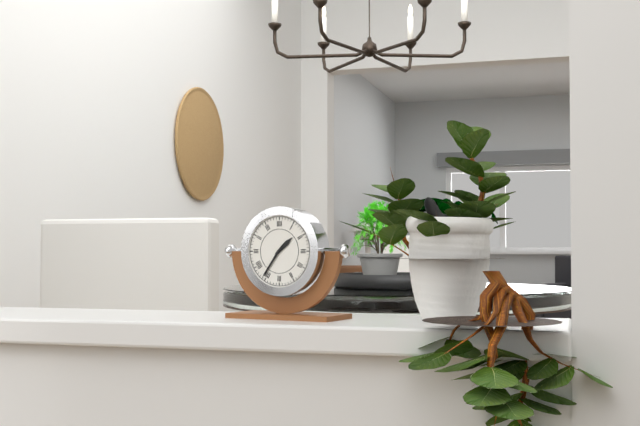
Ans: 1:36
